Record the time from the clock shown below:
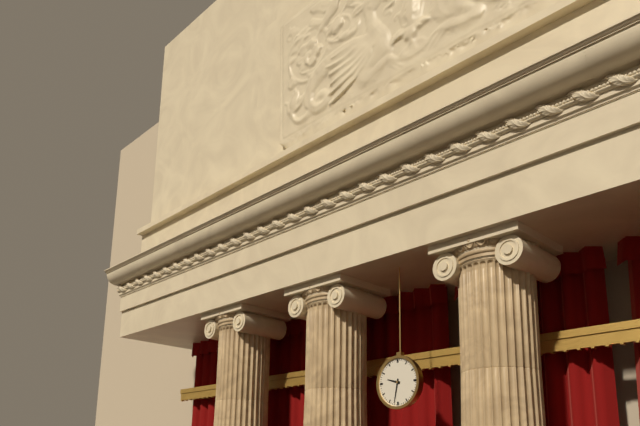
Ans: 9:32
